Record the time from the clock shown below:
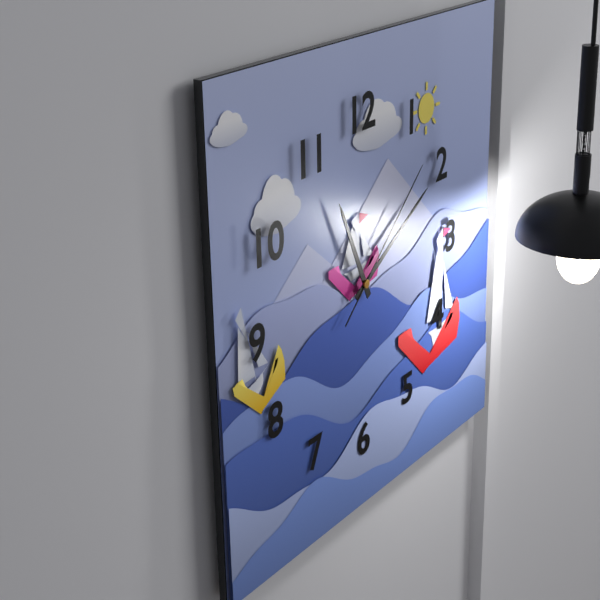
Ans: 11:10:08
